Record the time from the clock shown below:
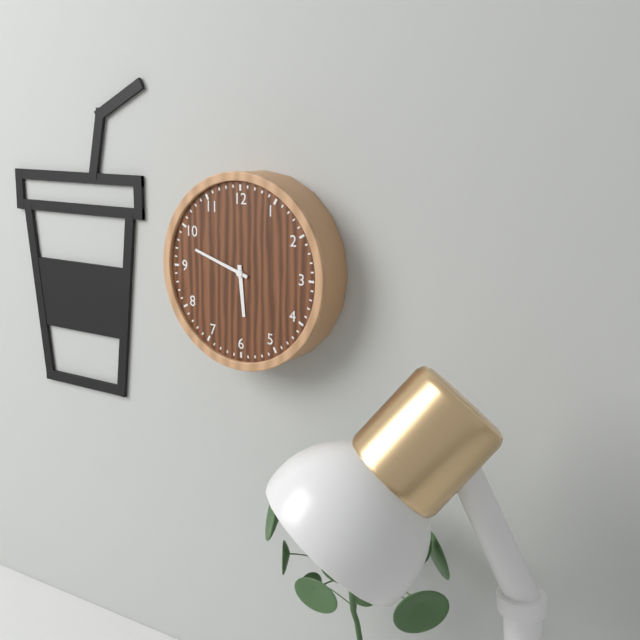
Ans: 5:48
